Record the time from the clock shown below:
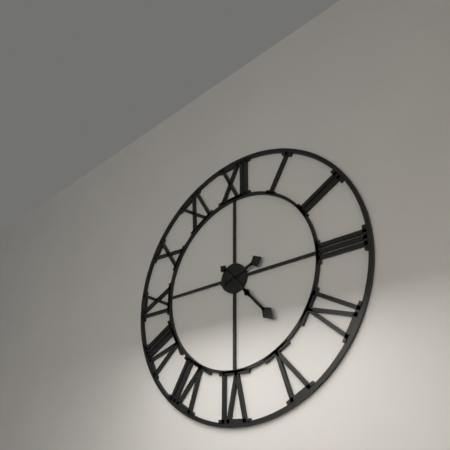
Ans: 2:23
